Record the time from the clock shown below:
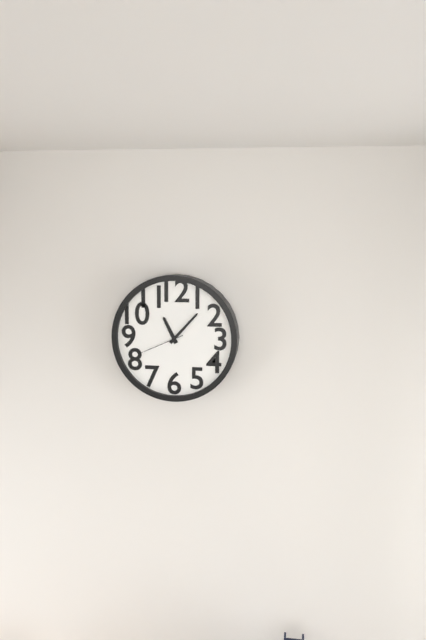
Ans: 11:07:41
